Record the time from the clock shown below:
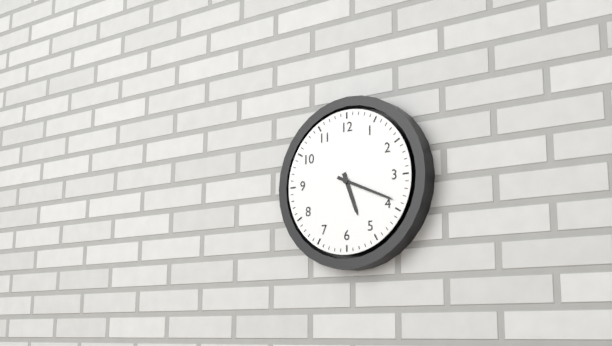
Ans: 5:19
